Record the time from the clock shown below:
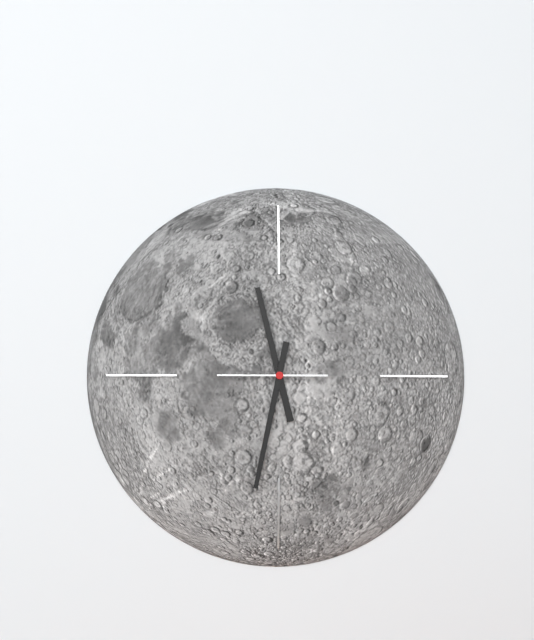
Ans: 11:32:45
